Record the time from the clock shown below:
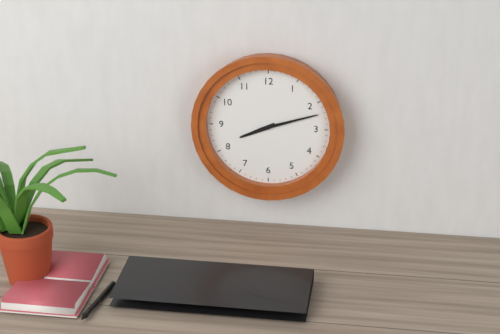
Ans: 8:12
